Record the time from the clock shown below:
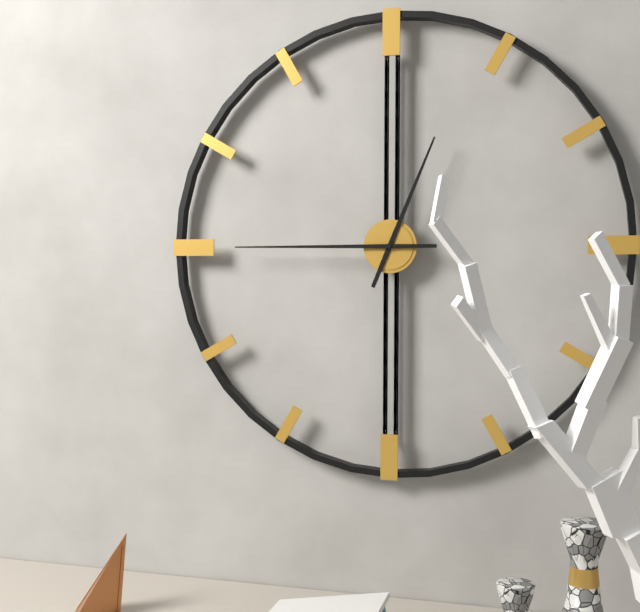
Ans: 12:45
